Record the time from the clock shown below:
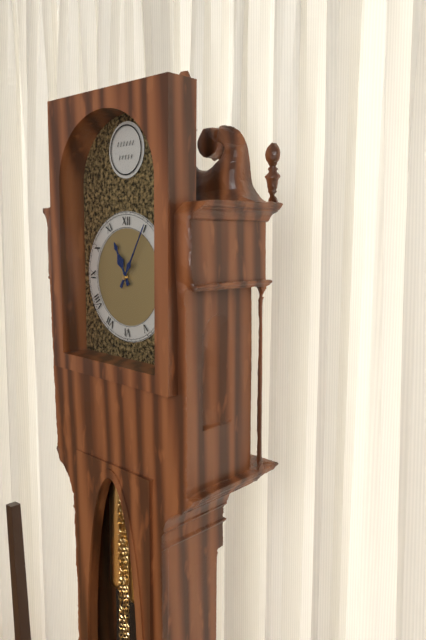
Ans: 11:05
